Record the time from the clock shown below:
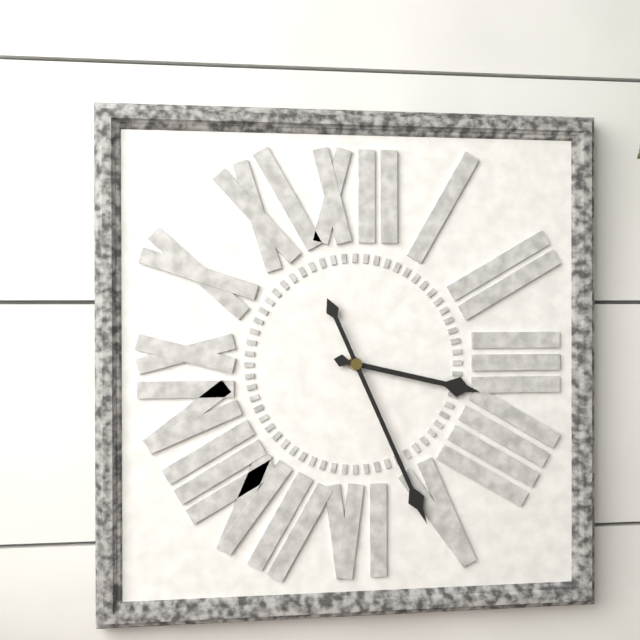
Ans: 3:26
